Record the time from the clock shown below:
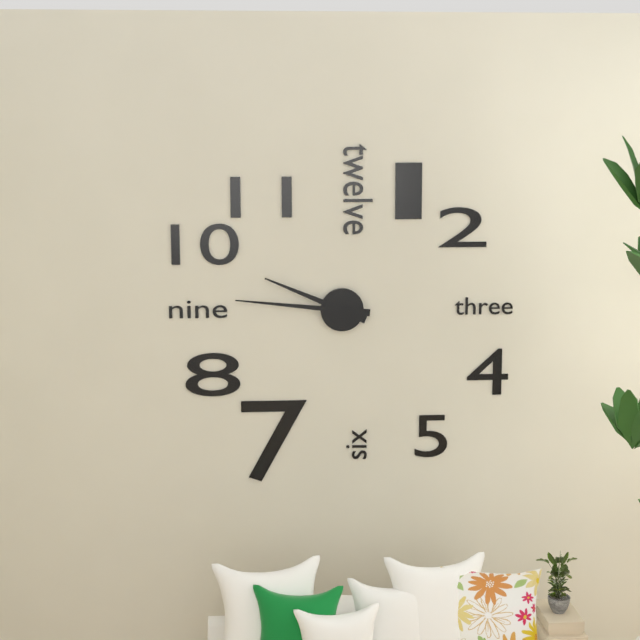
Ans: 9:46
